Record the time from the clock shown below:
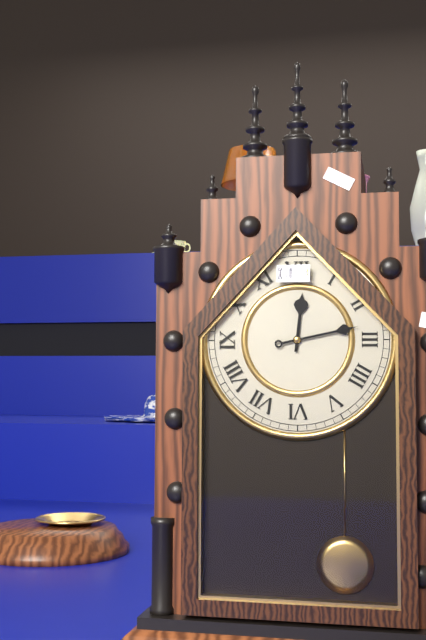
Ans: 12:13
